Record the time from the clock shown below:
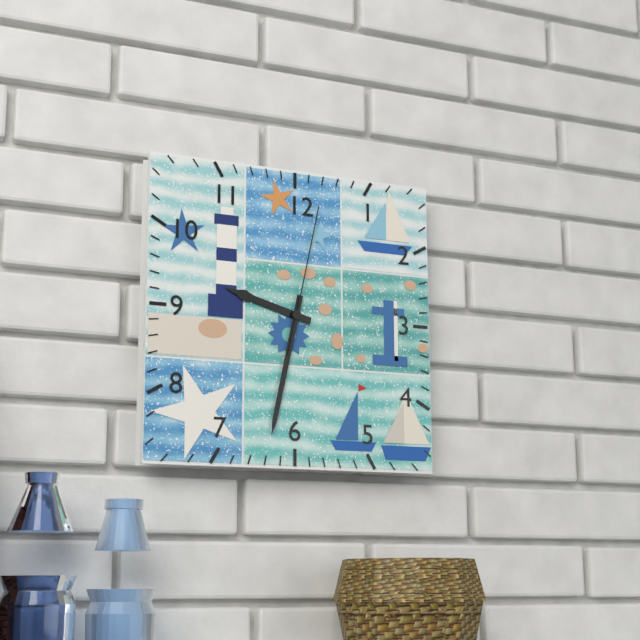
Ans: 9:32:02
